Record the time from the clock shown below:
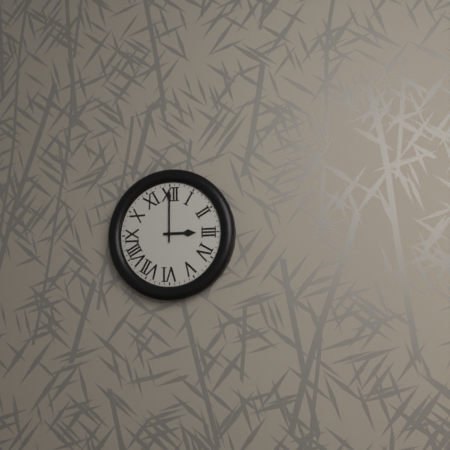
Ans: 3:00
